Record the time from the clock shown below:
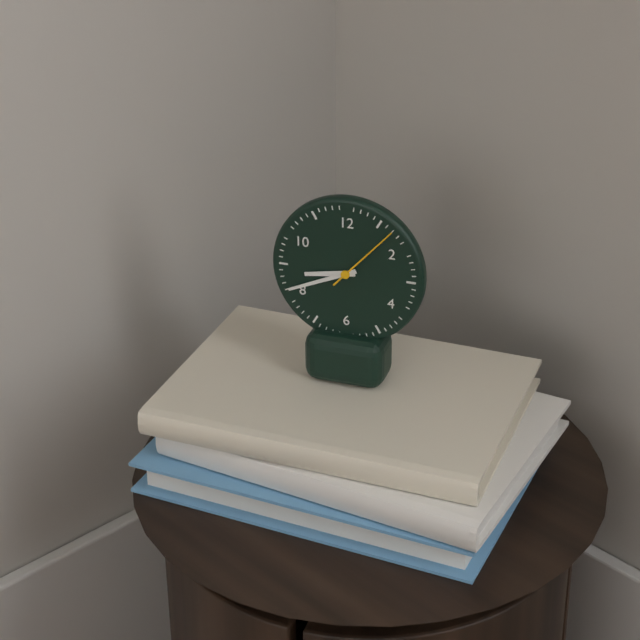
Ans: 8:41:07
